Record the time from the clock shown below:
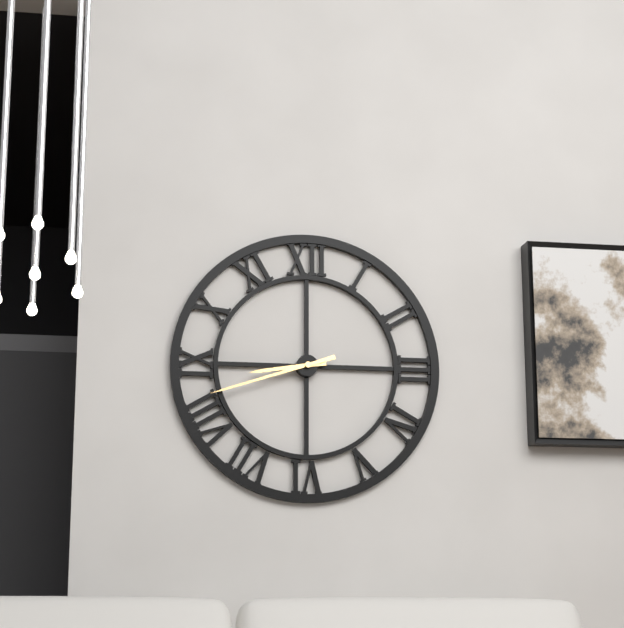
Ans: 8:42
